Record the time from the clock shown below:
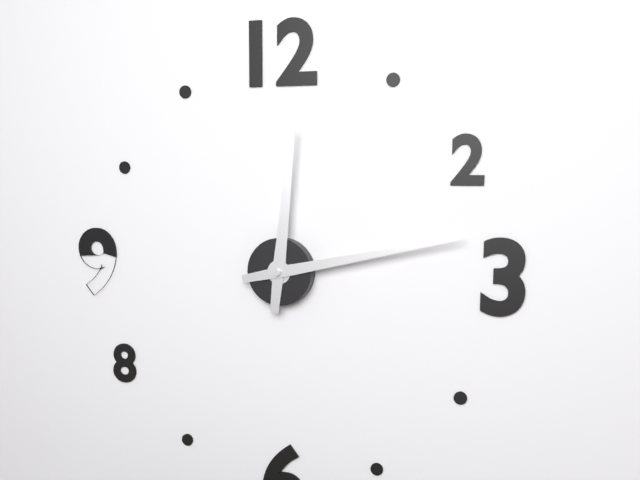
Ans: 12:13
